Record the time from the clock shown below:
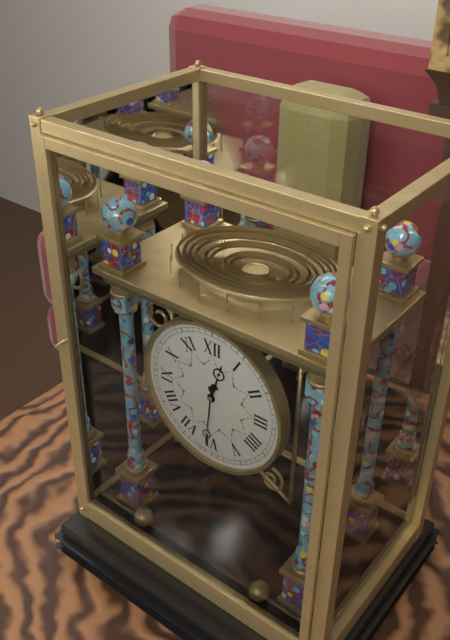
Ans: 12:31
